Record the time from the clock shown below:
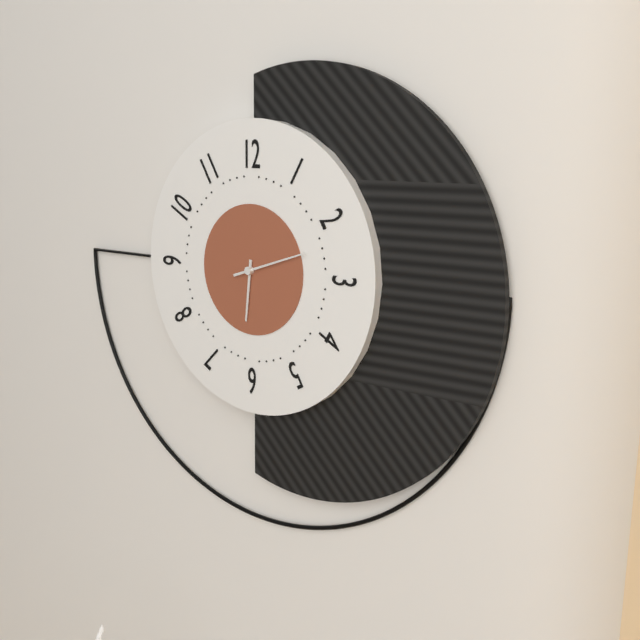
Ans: 6:12
